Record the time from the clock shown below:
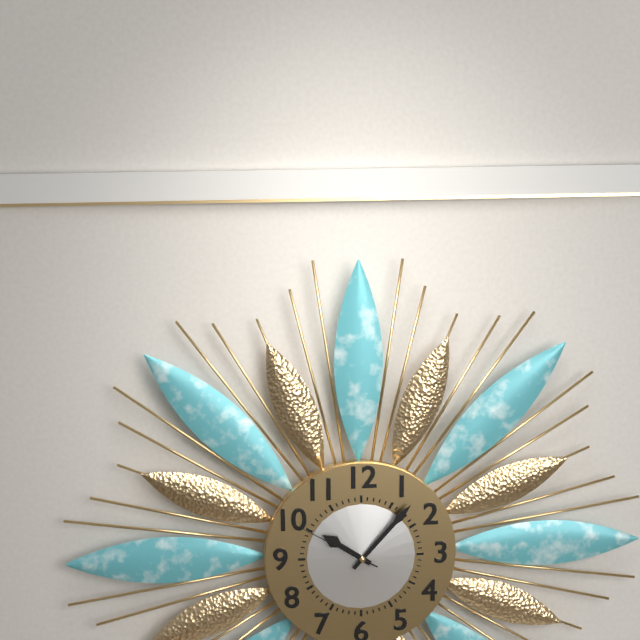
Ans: 10:07:50
